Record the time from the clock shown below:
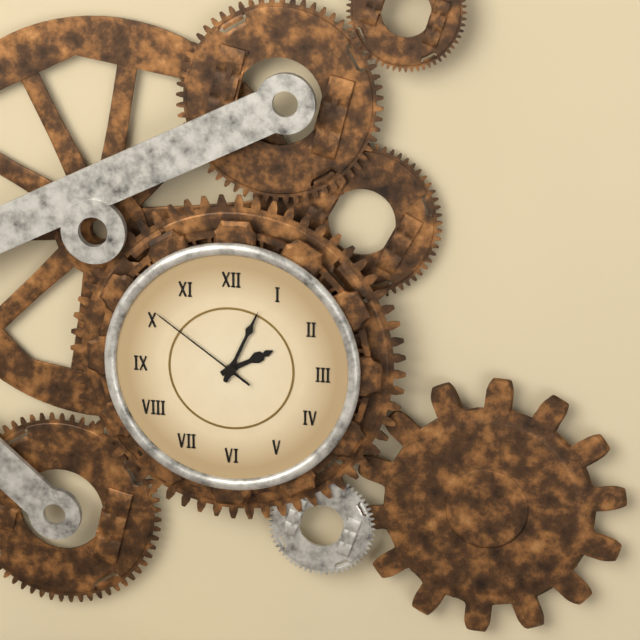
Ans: 2:04:51
